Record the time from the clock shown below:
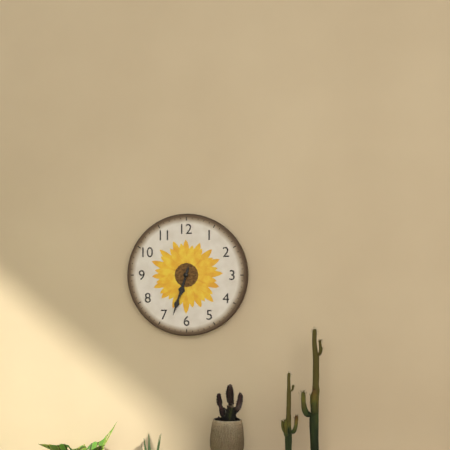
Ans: 6:33
